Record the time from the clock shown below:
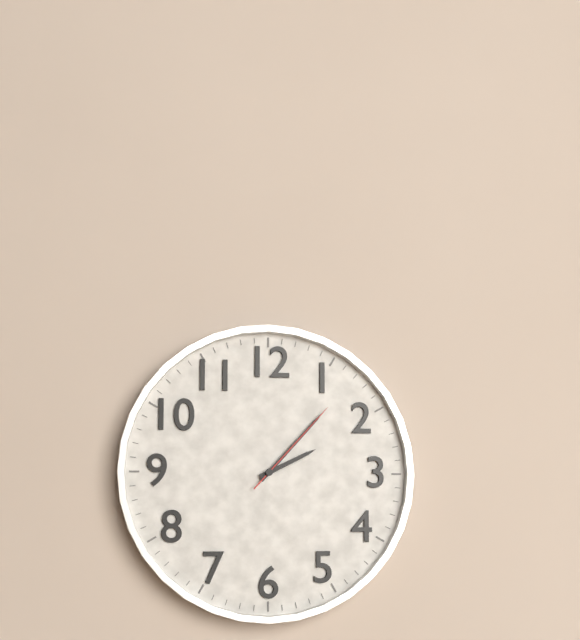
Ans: 2:07:07
